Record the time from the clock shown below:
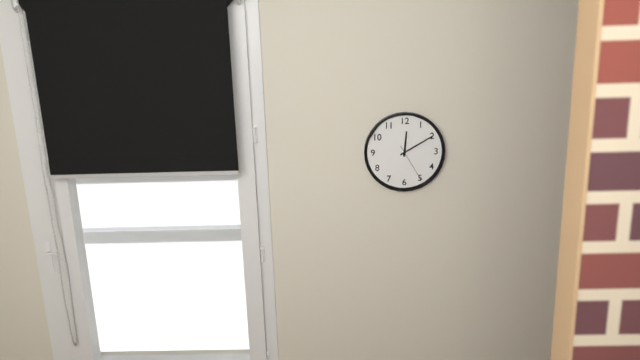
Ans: 12:10
